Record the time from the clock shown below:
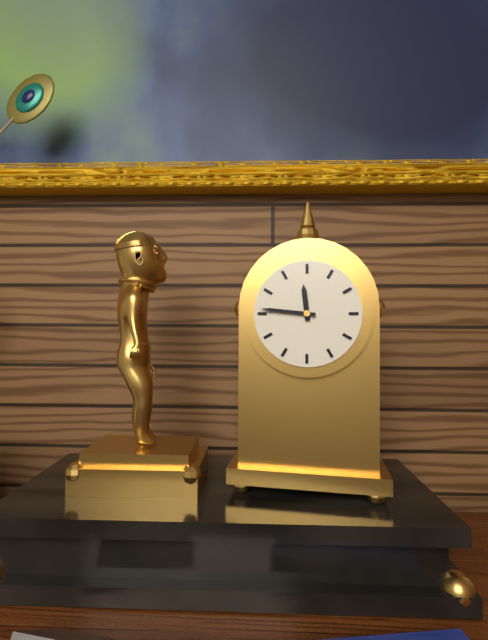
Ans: 11:46
